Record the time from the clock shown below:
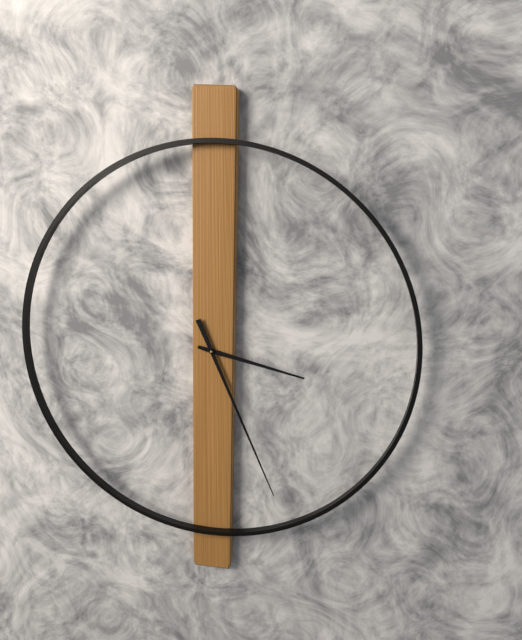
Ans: 3:26
